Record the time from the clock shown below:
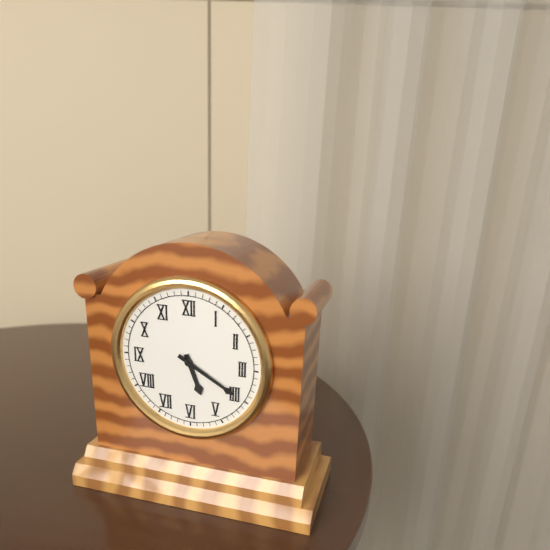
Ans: 5:20
